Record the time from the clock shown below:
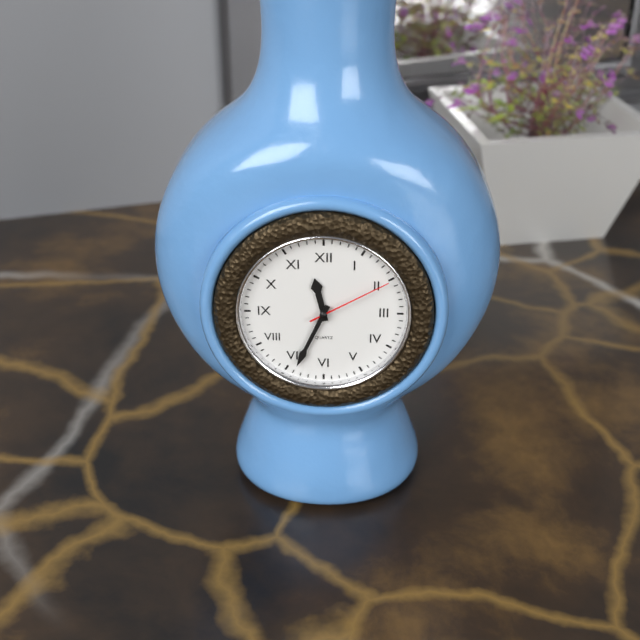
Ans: 11:34:10
